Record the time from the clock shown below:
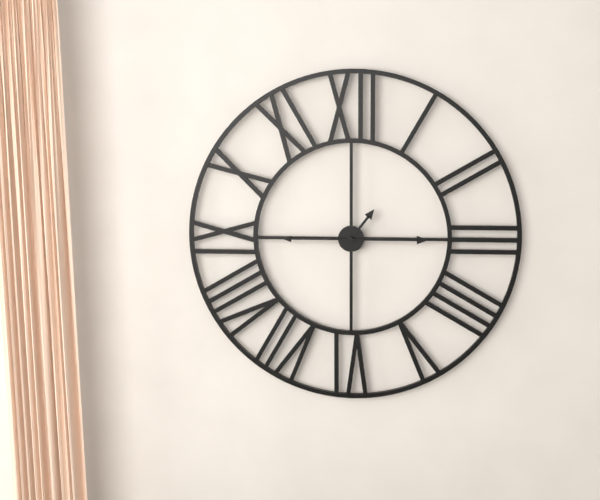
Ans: 1:15:45
